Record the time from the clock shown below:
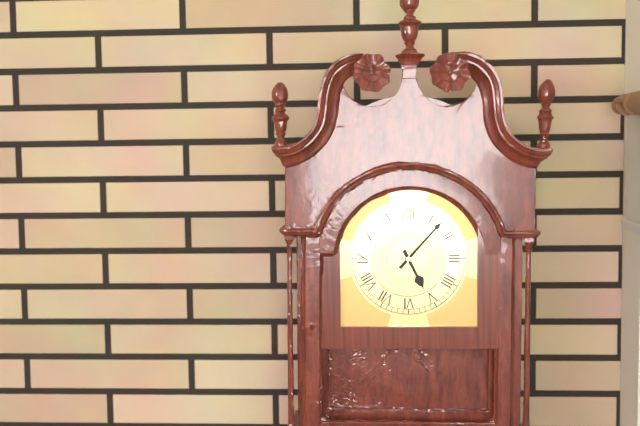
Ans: 5:07
